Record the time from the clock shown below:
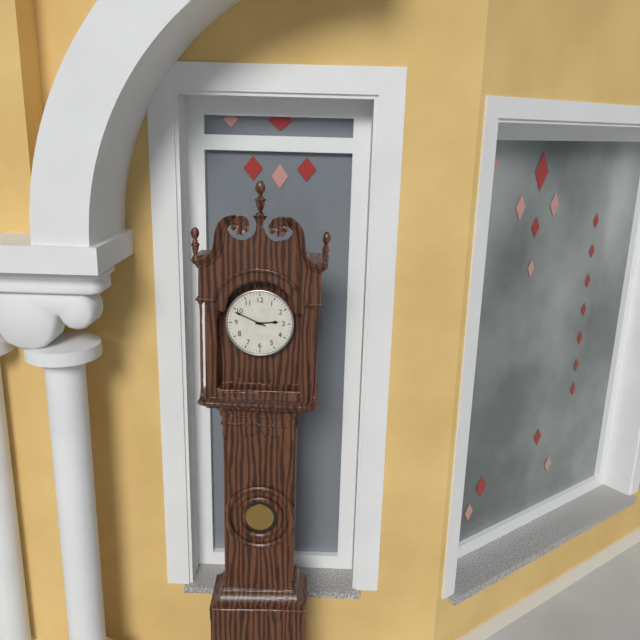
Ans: 2:49
